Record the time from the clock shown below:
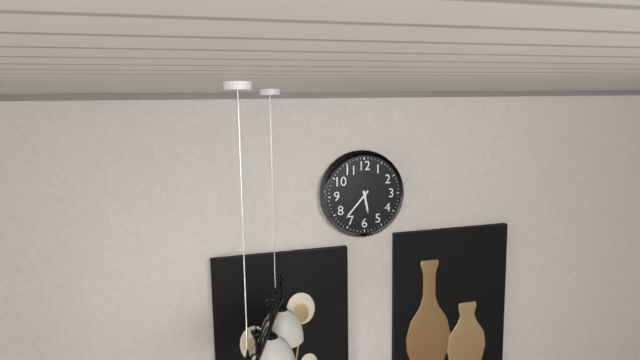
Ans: 5:37
